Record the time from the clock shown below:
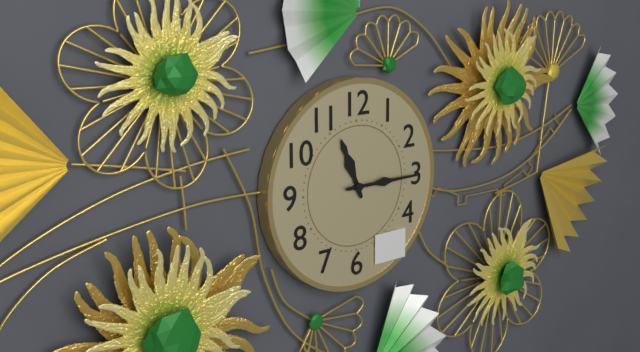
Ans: 11:15
